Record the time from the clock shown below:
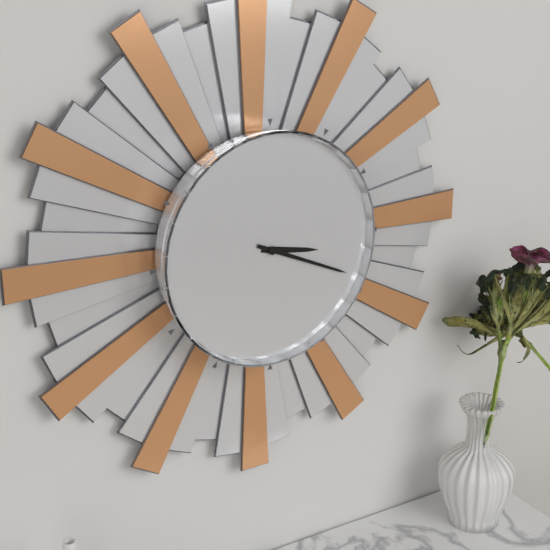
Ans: 3:19
